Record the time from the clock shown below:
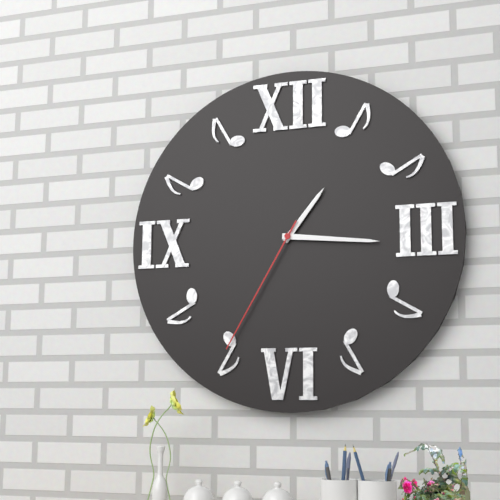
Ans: 1:16:35
